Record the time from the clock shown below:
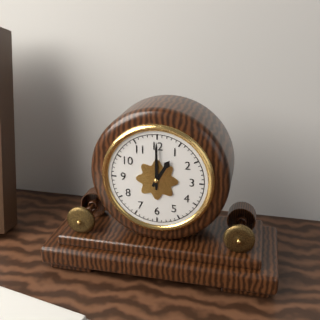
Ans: 1:00
